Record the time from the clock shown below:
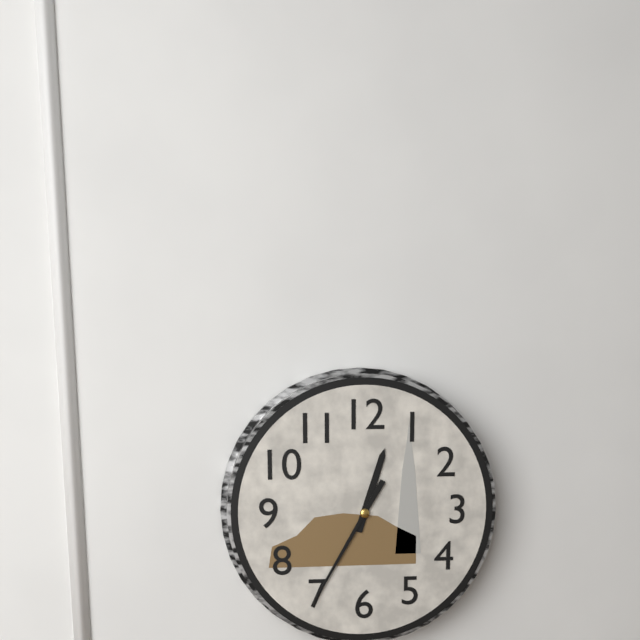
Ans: 12:35
